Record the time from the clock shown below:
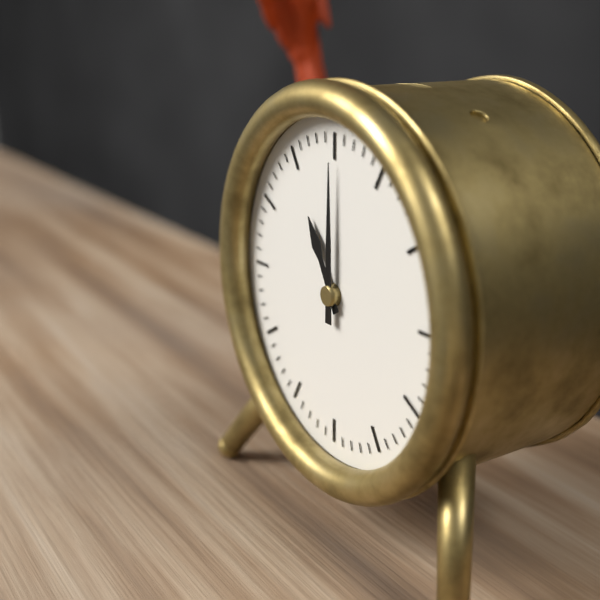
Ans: 11:00
